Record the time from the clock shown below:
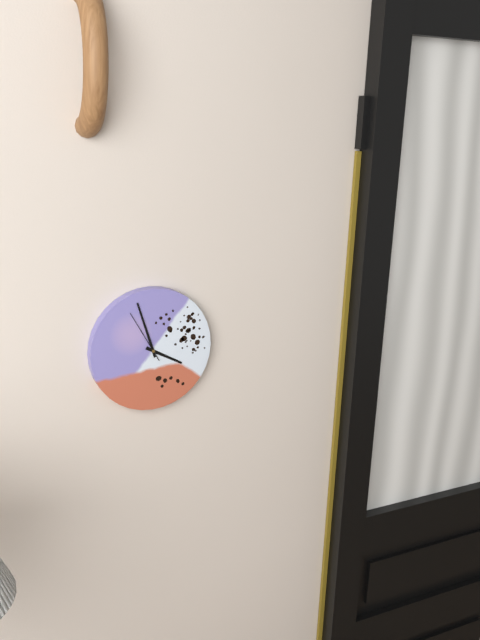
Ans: 3:57:55
